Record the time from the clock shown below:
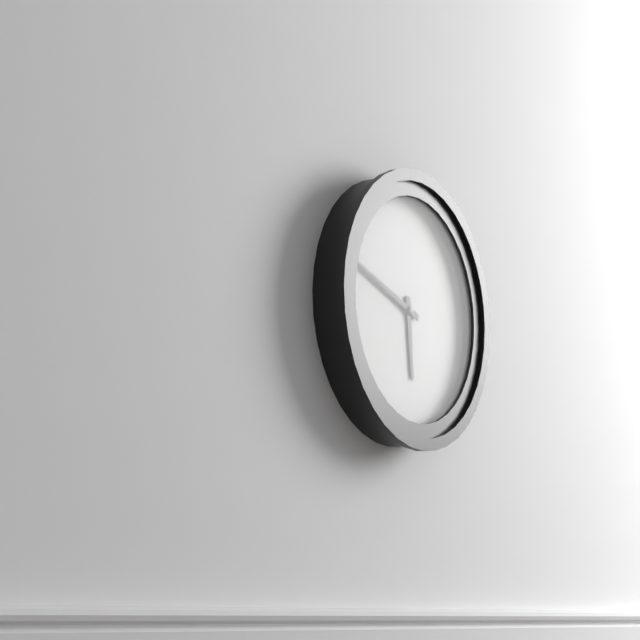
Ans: 5:48
